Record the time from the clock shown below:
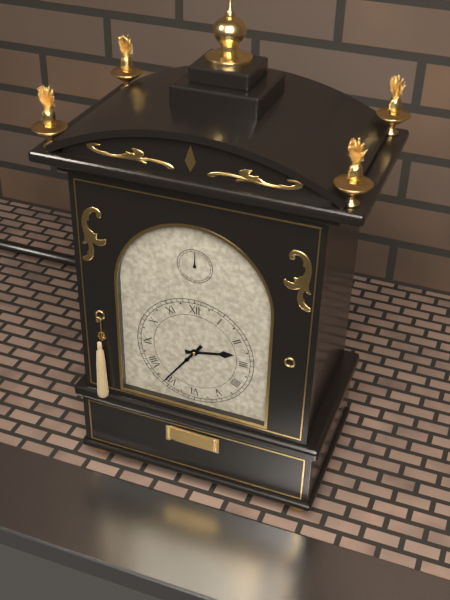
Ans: 2:36
